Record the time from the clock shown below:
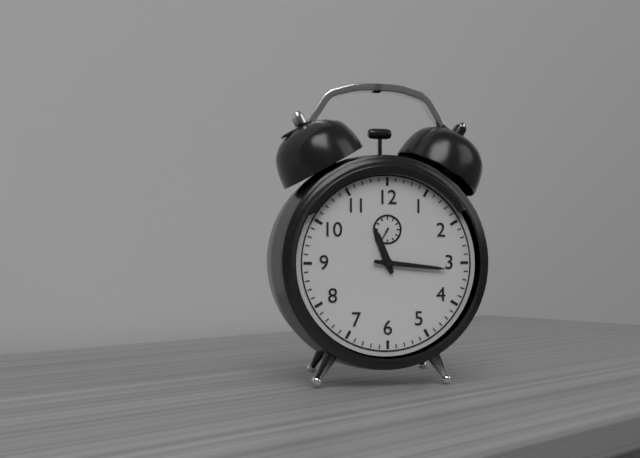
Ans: 11:16
